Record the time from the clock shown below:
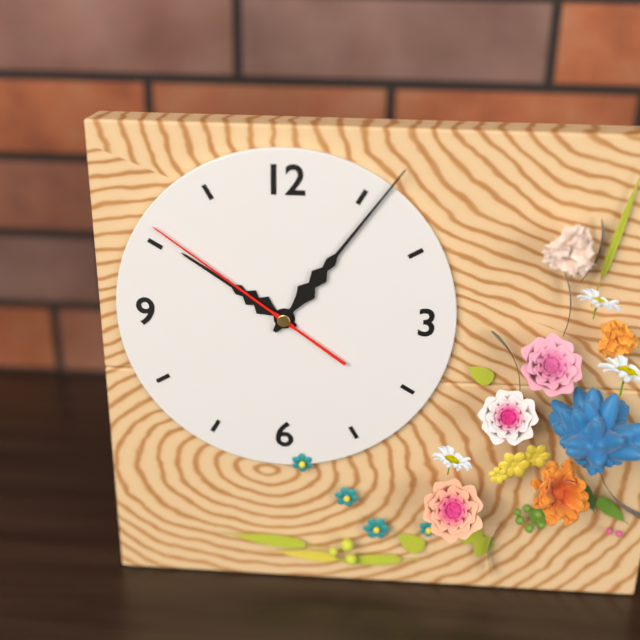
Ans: 10:06:51
